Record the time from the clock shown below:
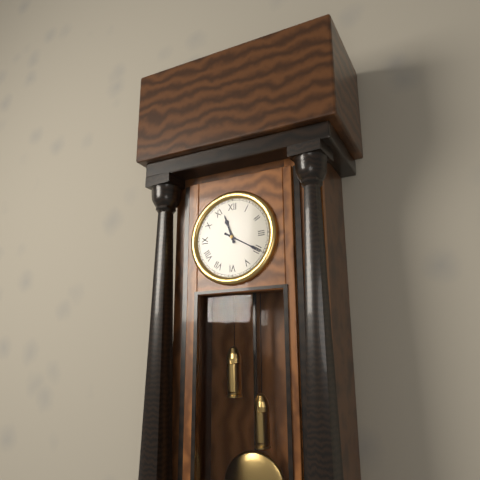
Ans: 11:20
